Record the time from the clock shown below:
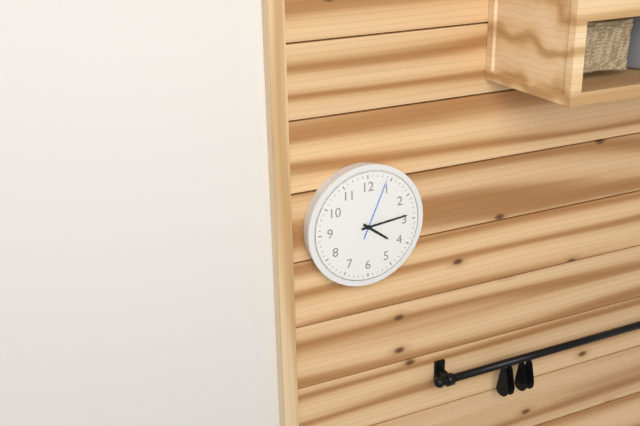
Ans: 4:14:04
